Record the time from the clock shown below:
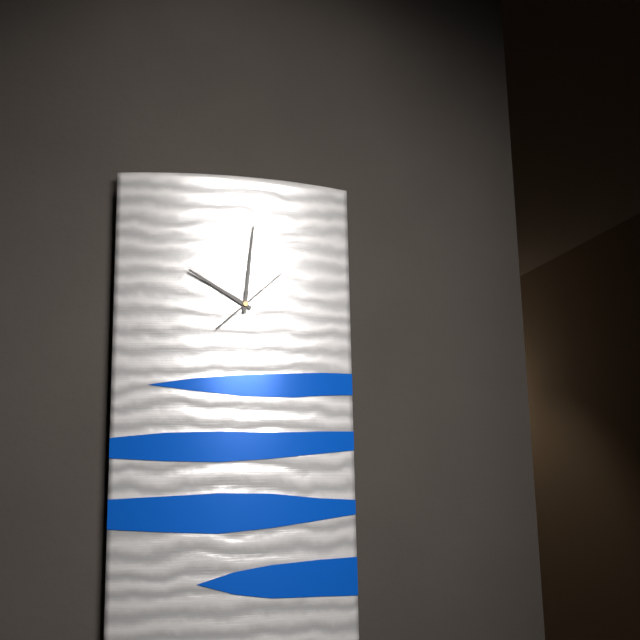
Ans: 10:01:08
